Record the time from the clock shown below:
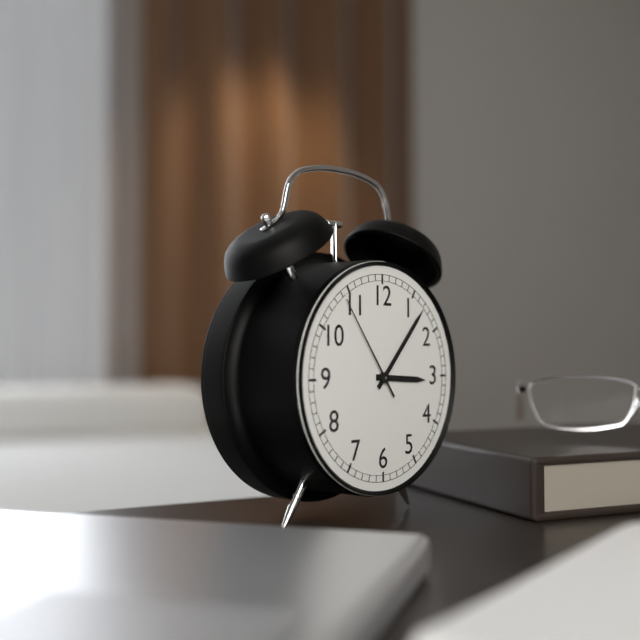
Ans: 3:07:54
